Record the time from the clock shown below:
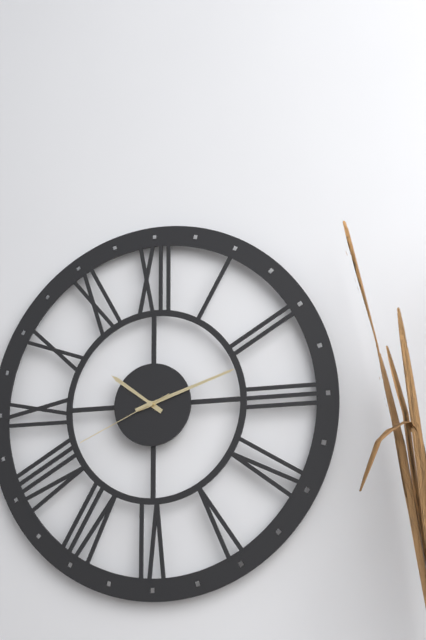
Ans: 10:12:41
